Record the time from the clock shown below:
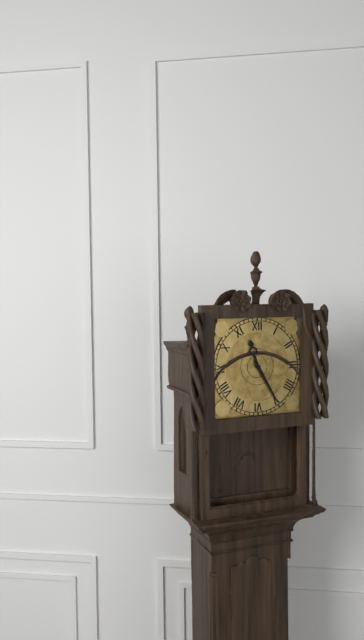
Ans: 11:25
